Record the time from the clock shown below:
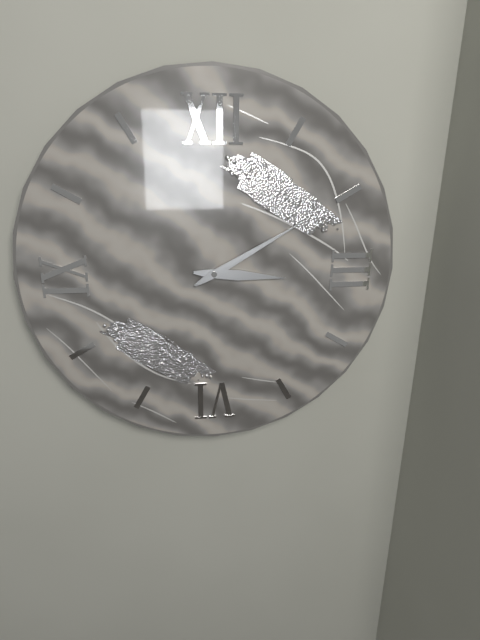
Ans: 3:10
